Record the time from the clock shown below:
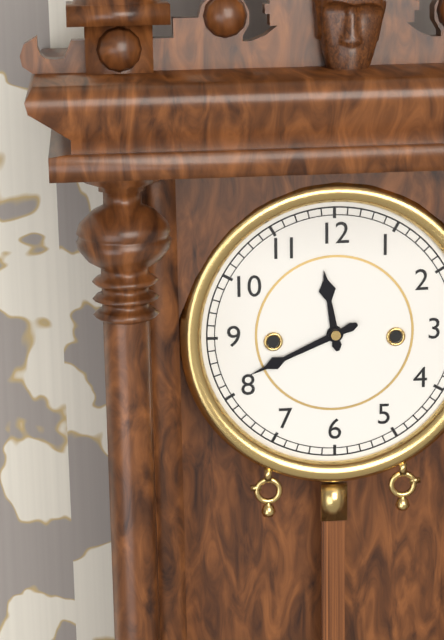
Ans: 11:41
